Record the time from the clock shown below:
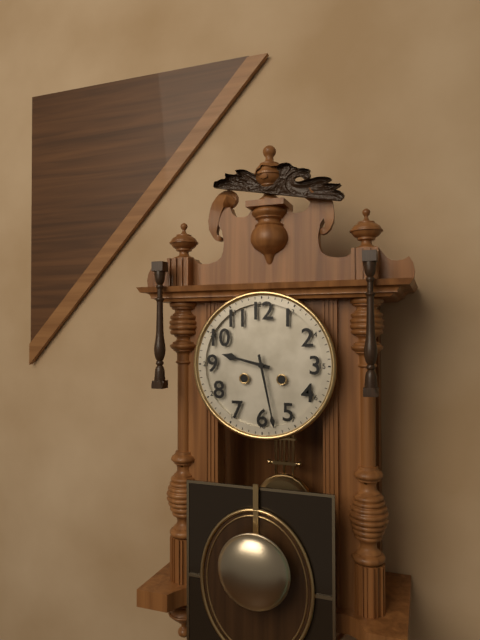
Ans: 9:28
